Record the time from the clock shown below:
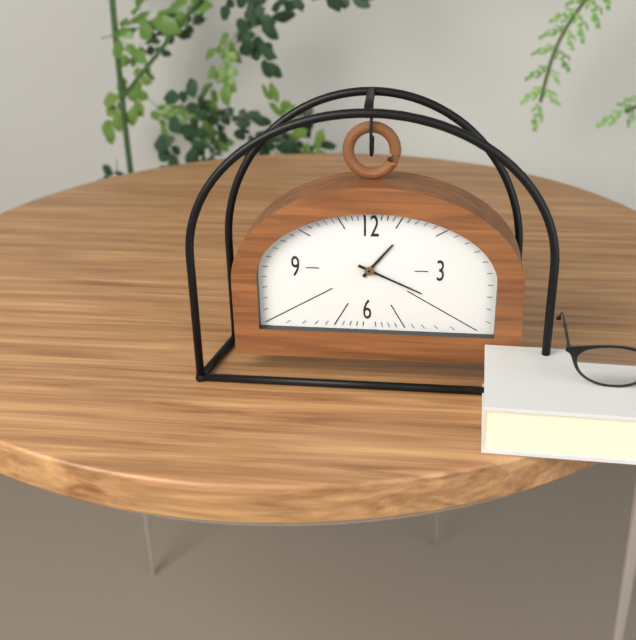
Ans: 1:19
